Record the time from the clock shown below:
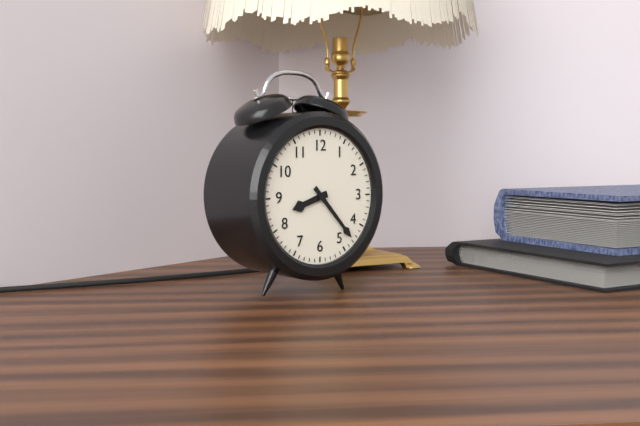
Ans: 8:23
